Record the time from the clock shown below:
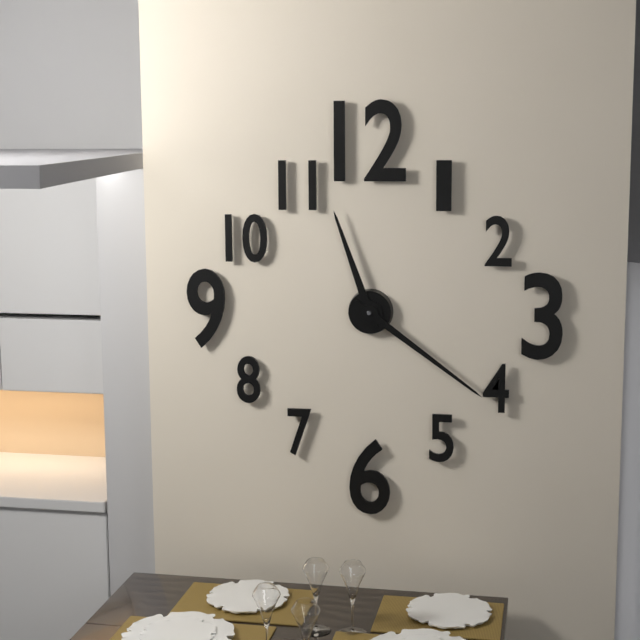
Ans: 11:21
